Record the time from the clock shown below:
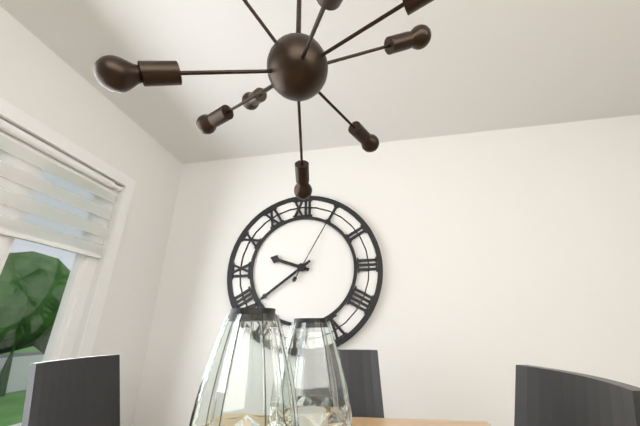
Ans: 9:39:05
